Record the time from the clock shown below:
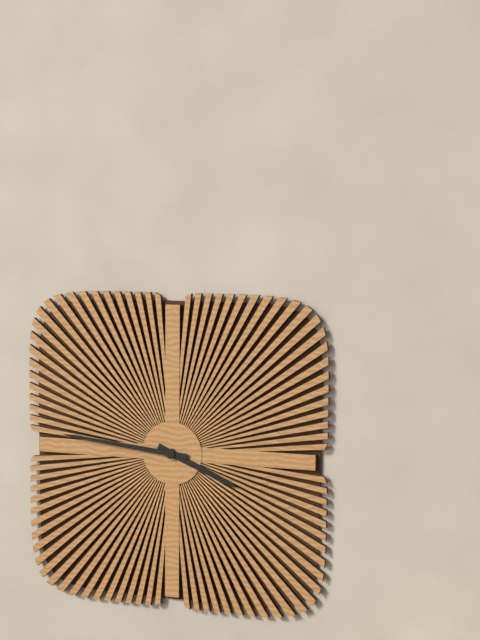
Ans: 3:46
